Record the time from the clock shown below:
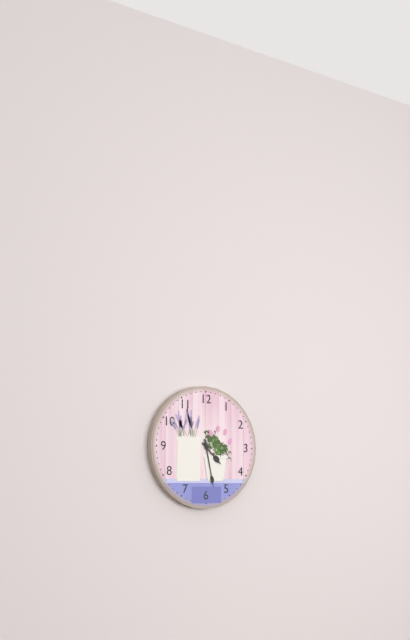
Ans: 4:28
